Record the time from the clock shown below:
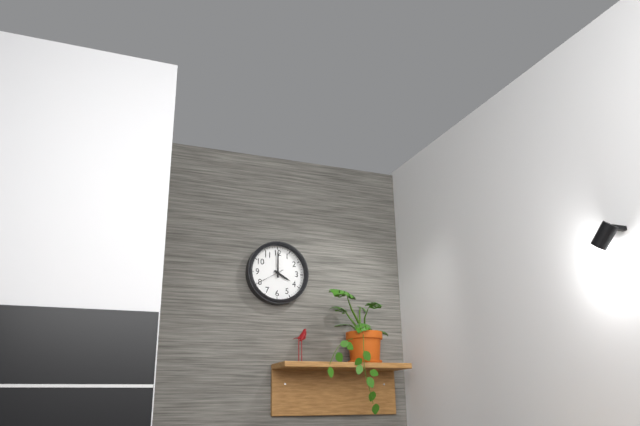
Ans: 4:00
